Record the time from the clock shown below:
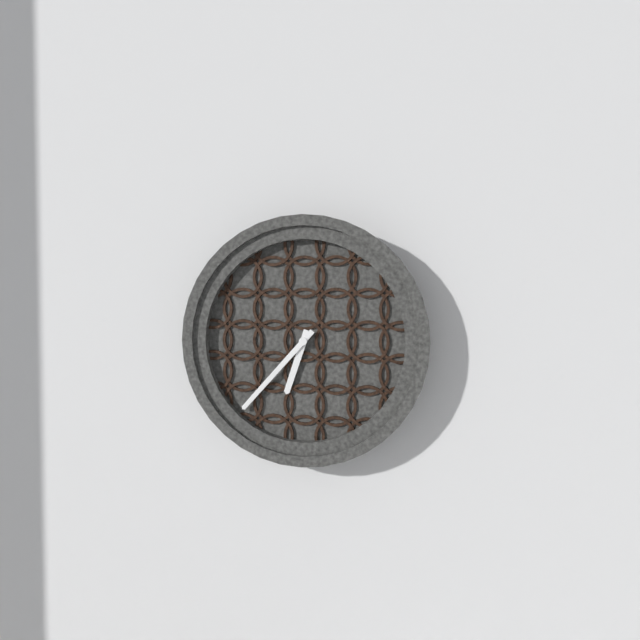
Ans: 6:37
